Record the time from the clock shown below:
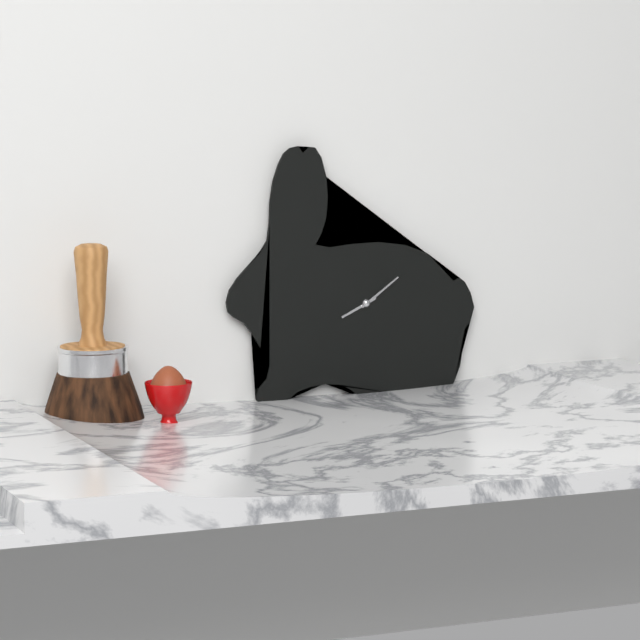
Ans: 8:09
